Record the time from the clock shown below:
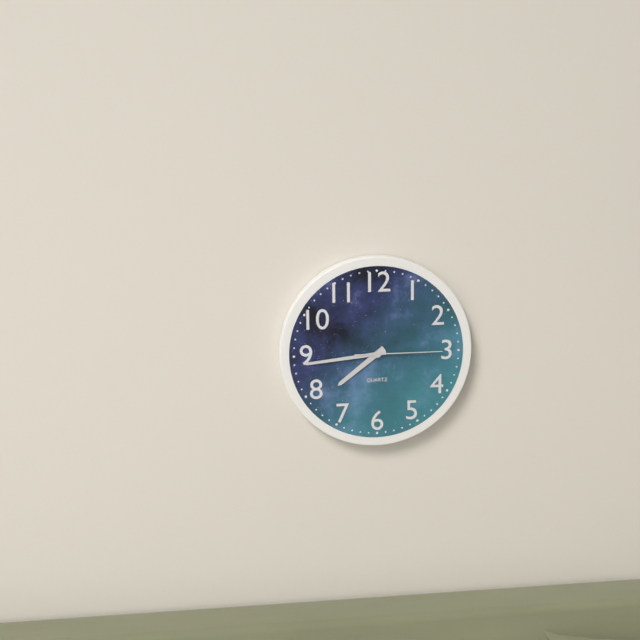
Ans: 7:44:15
